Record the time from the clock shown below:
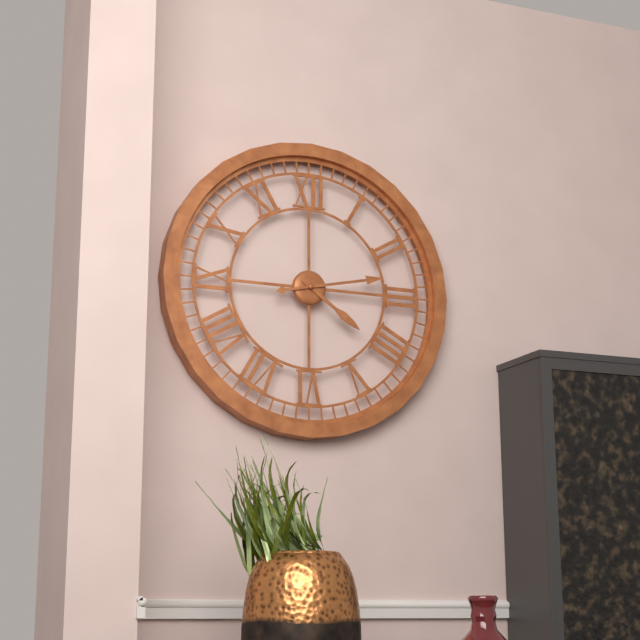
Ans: 4:13
